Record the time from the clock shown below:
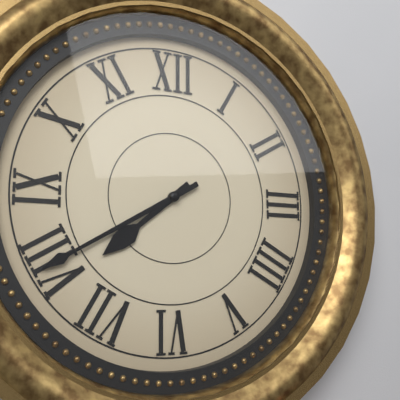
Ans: 7:40
